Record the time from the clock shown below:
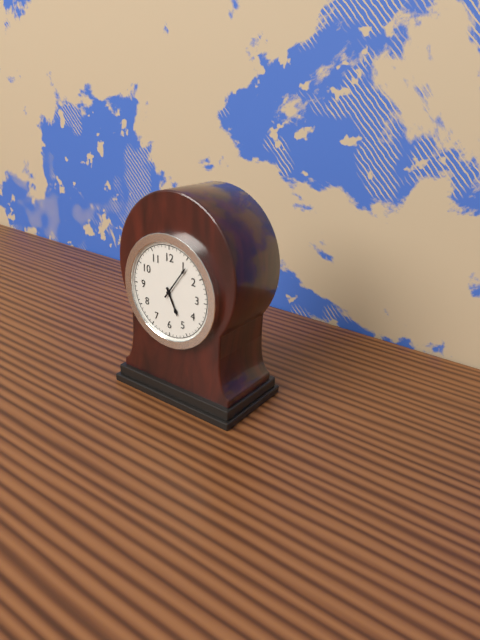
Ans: 5:06
